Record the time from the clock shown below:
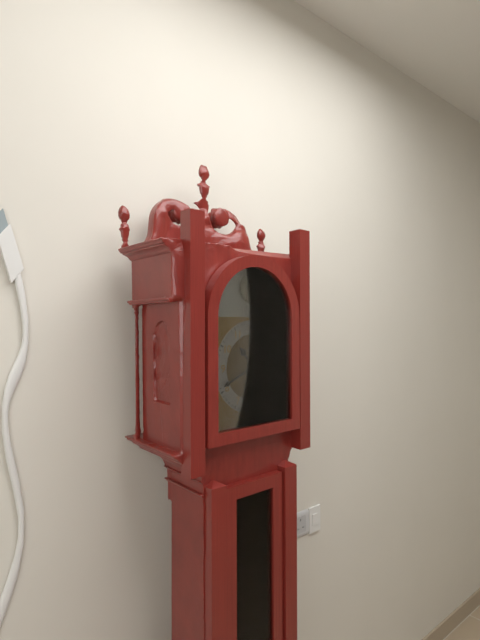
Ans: 10:41
